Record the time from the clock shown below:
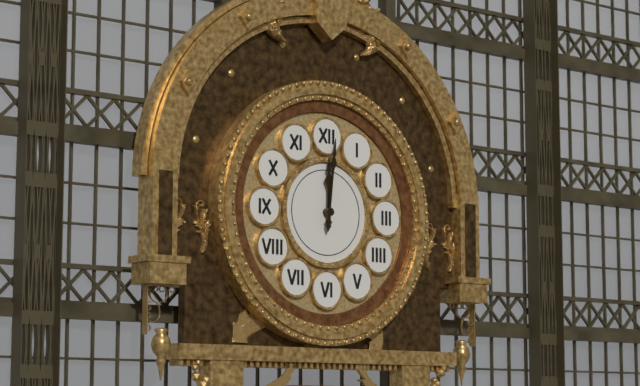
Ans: 12:01
